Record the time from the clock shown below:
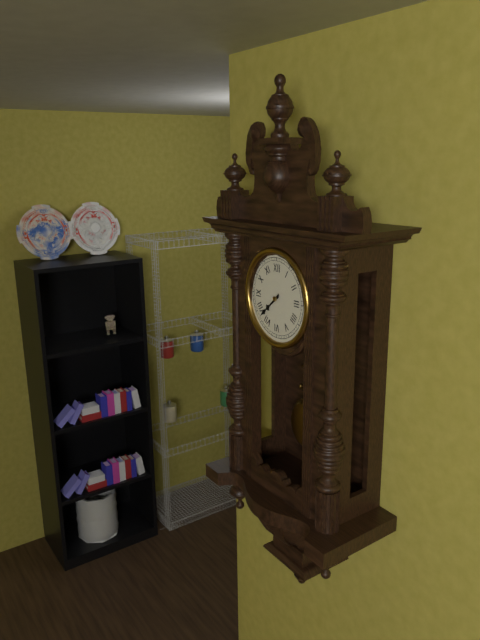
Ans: 7:38
